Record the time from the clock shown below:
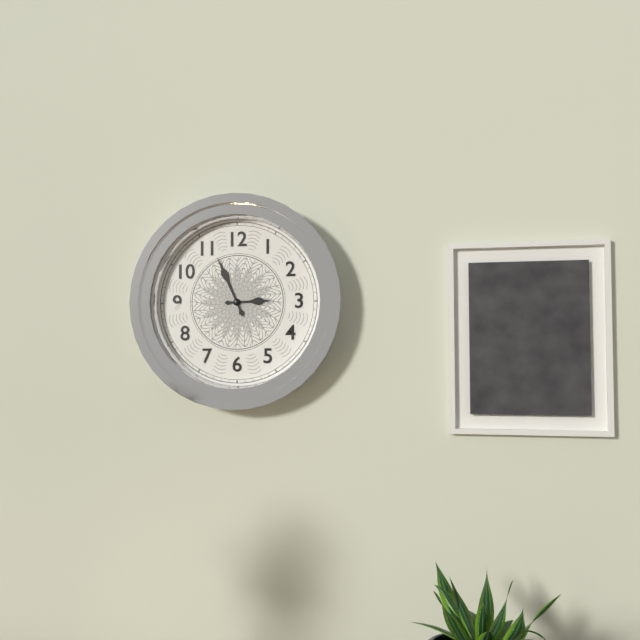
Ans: 2:56
